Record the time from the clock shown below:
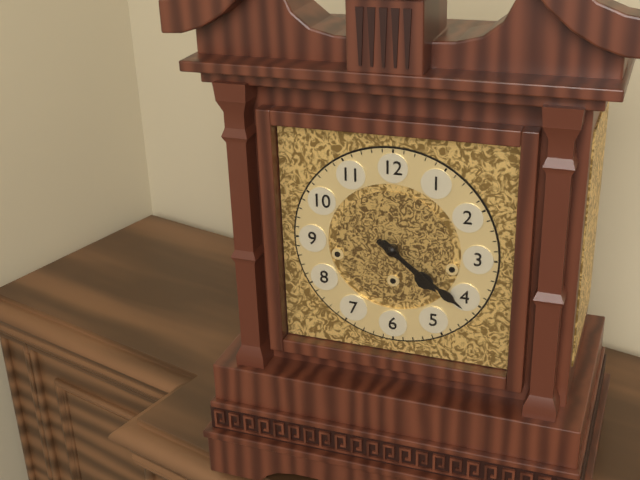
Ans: 4:21
